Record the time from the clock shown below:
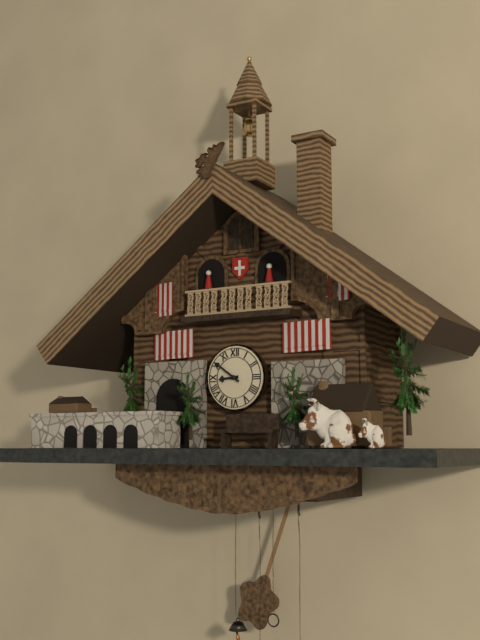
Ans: 8:51
